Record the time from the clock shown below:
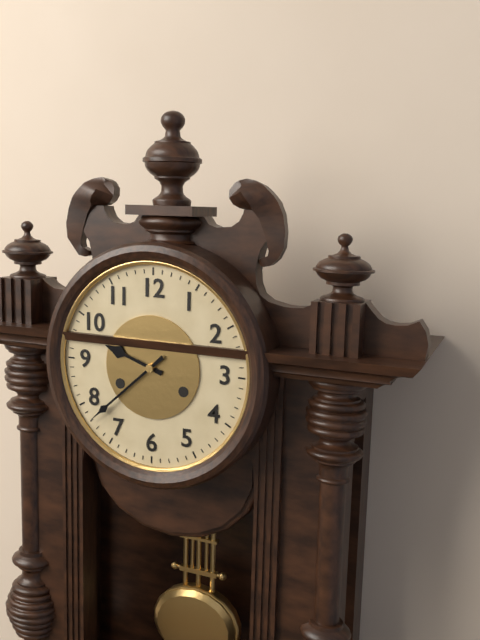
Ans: 9:38
